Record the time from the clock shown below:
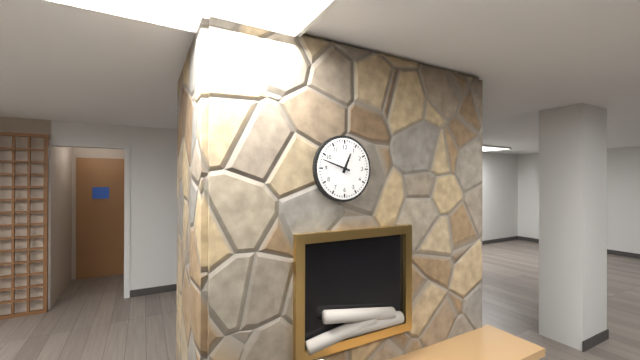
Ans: 12:48
